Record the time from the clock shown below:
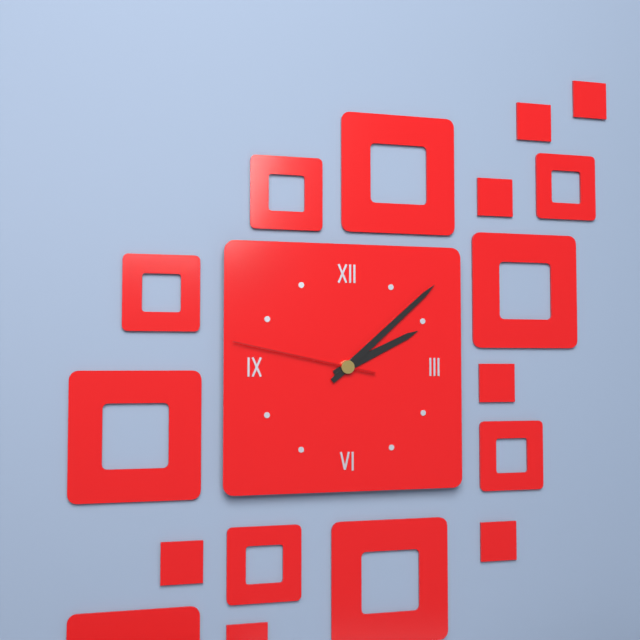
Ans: 2:08:47
